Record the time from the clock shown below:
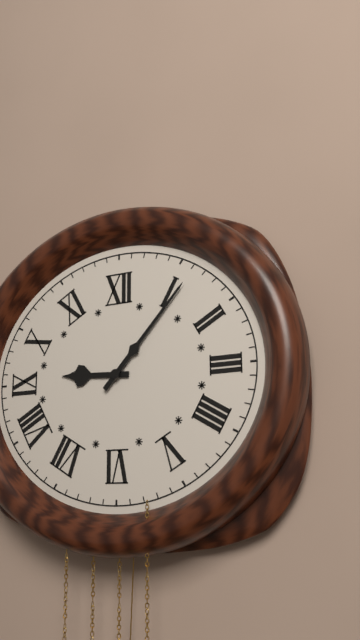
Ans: 9:07
